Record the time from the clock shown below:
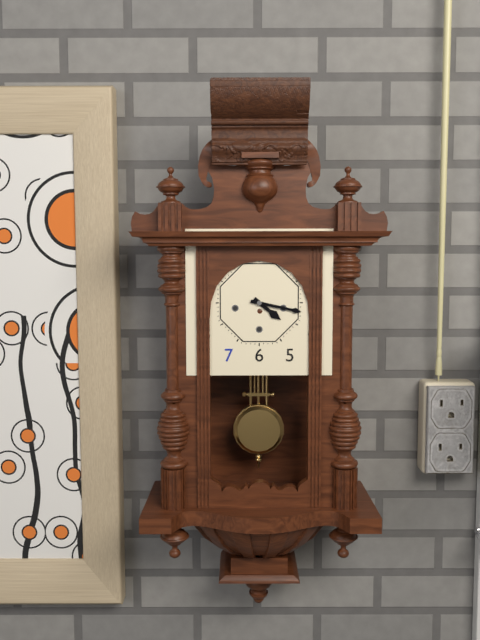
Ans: 4:17
